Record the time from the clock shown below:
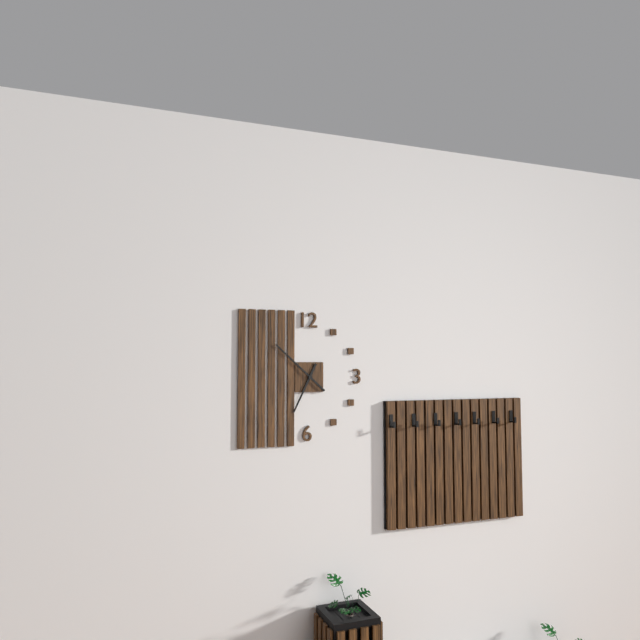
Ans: 6:52
